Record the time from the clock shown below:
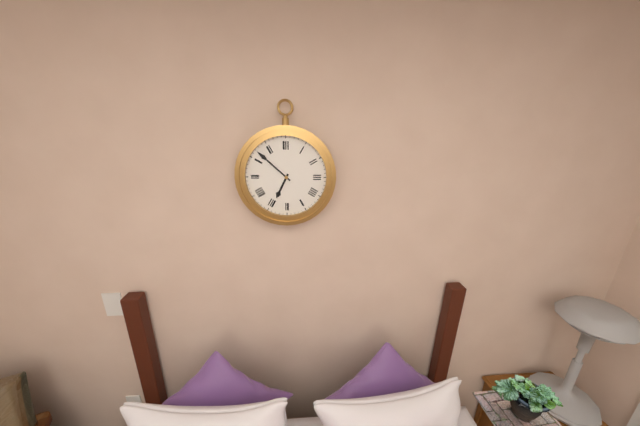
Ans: 6:52
